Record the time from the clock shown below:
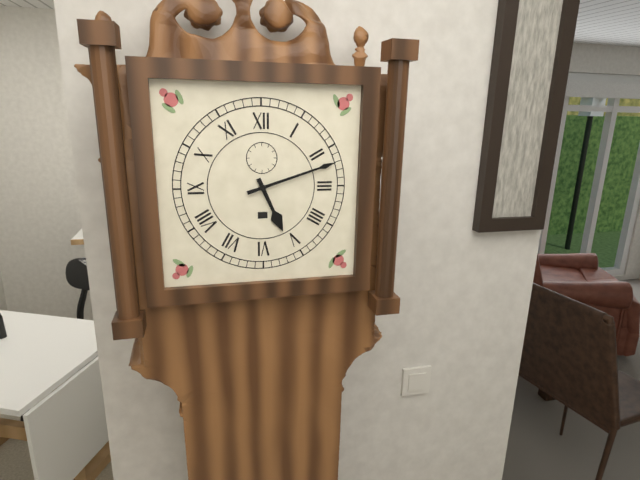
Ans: 5:12
